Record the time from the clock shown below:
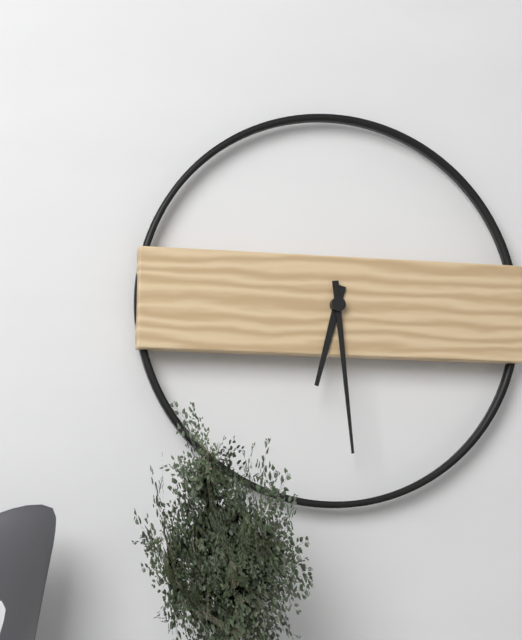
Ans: 6:29
